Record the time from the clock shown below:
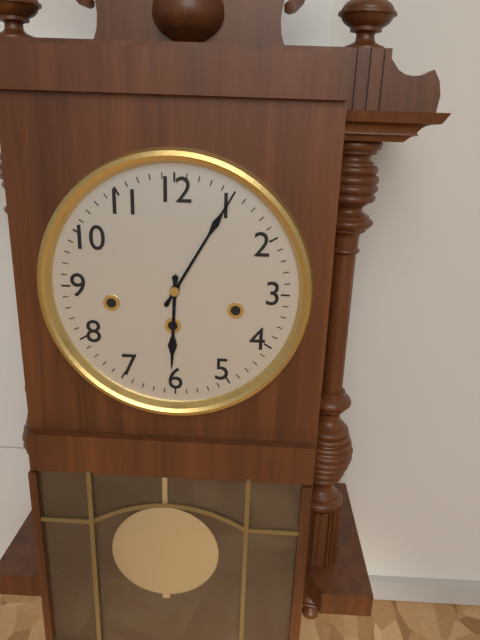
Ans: 6:05
